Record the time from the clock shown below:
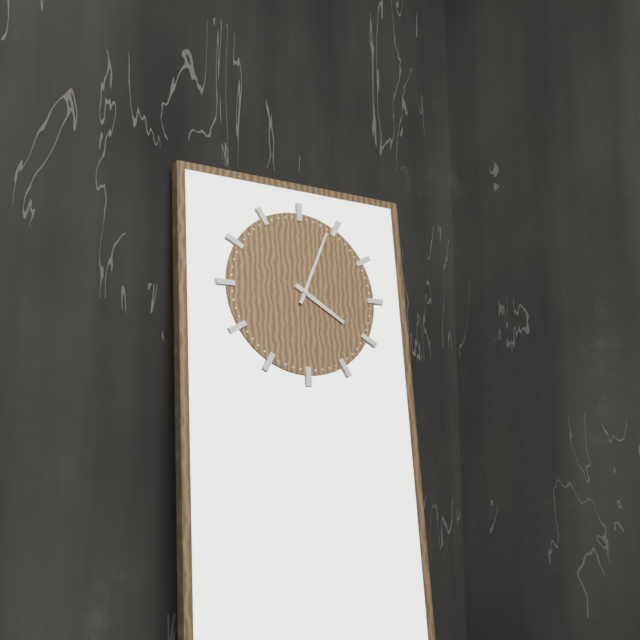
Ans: 4:04
